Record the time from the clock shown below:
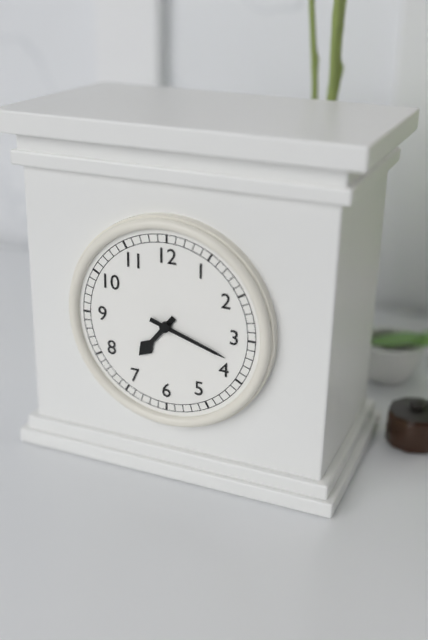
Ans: 7:18
